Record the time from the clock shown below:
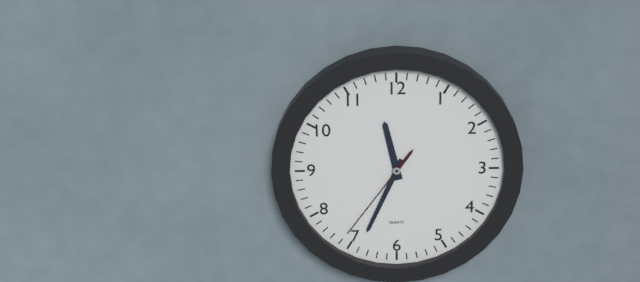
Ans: 11:34:36
